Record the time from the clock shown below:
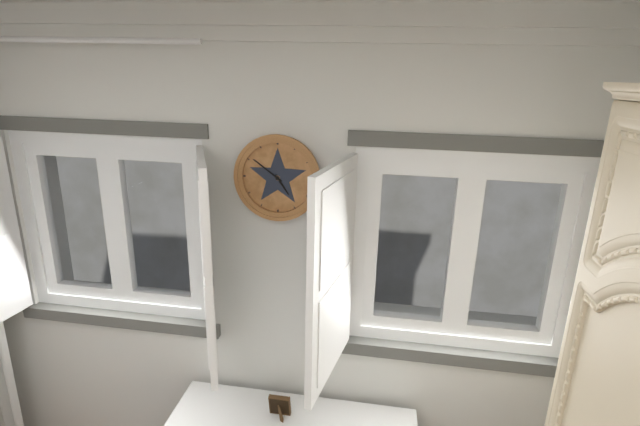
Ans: 4:51
